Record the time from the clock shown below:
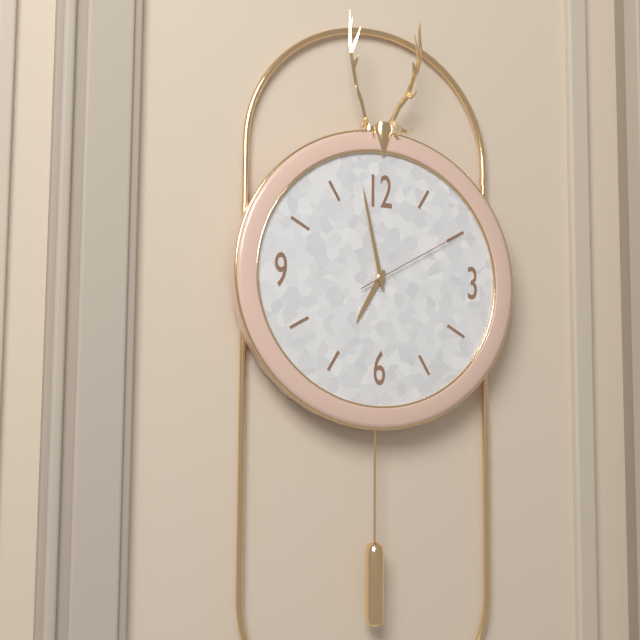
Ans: 6:58:10
